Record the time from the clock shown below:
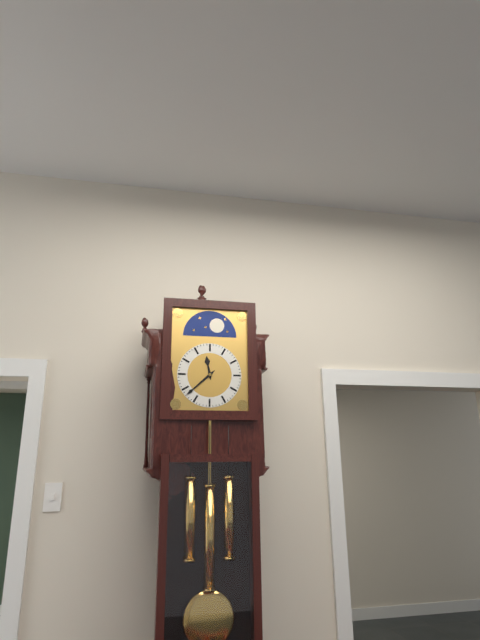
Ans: 11:38
